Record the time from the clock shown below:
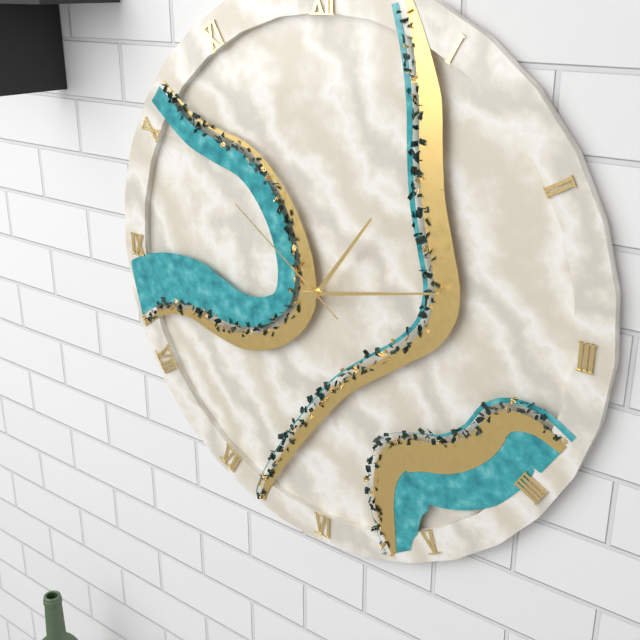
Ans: 1:13:51
